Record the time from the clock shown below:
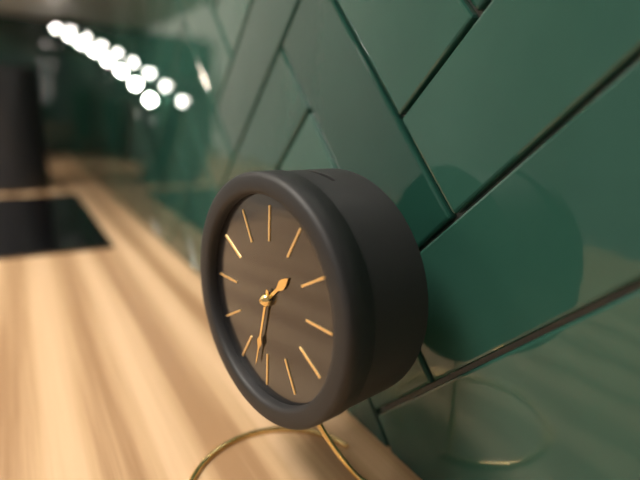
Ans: 1:32
